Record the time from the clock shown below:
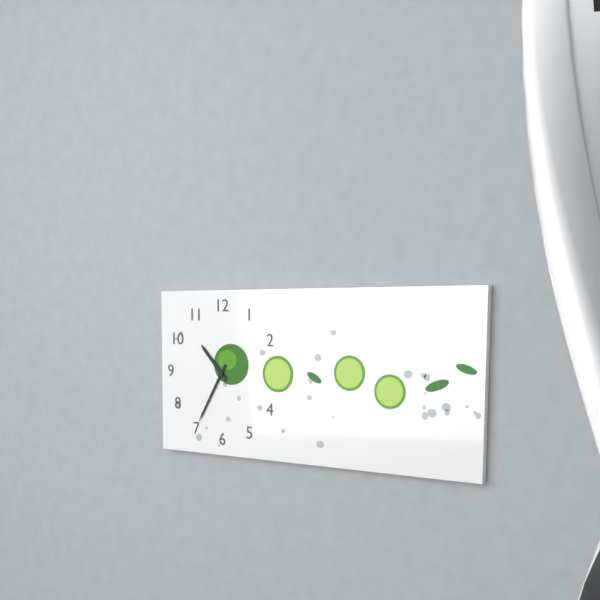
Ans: 10:35
